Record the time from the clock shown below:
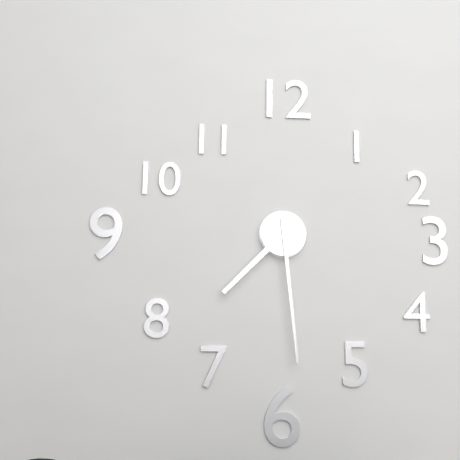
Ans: 7:29
